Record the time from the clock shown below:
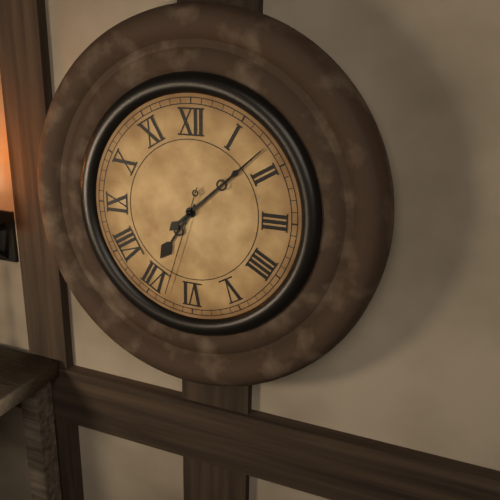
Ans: 7:08:33
